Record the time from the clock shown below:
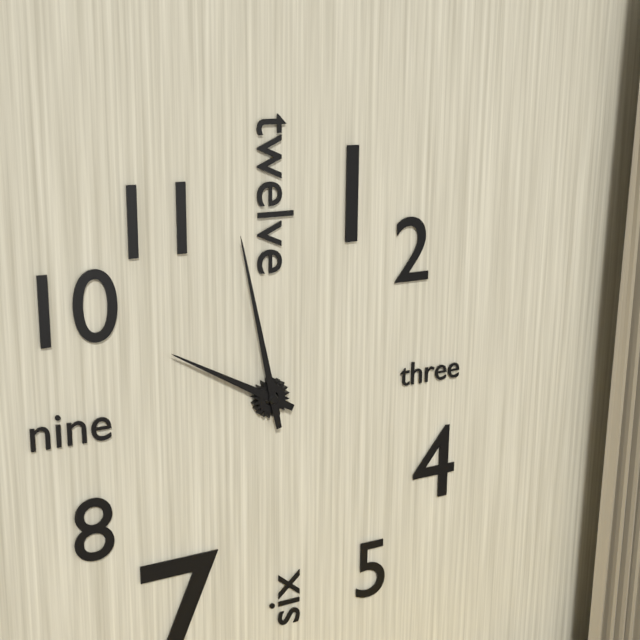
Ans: 9:58
